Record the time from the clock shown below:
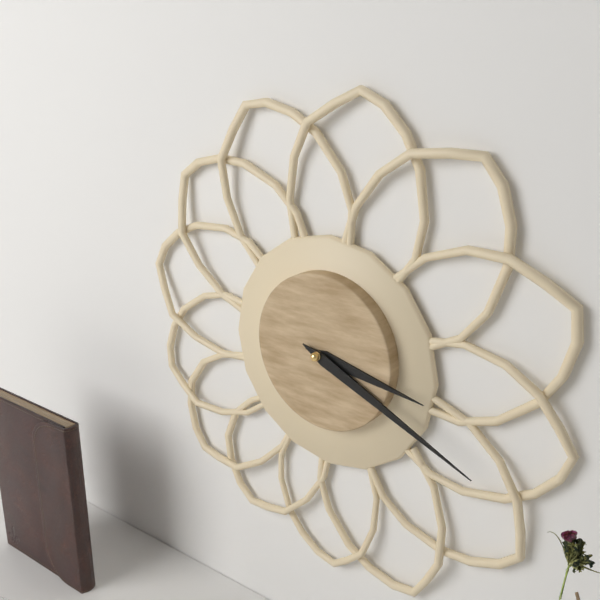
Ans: 3:19
